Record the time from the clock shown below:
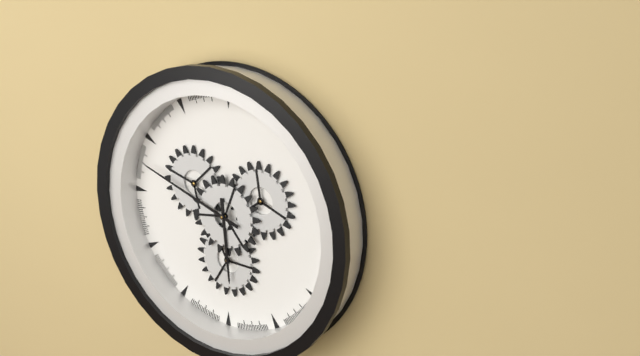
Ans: 5:48
